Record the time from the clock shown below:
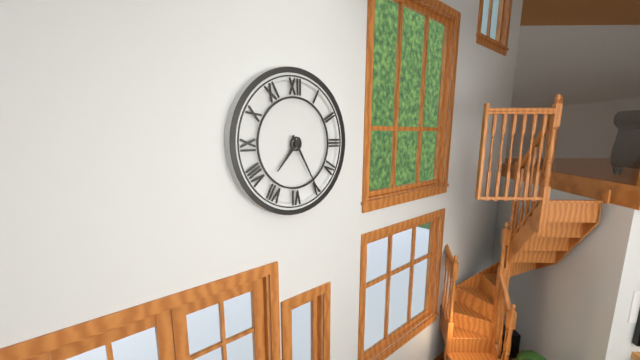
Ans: 7:25
